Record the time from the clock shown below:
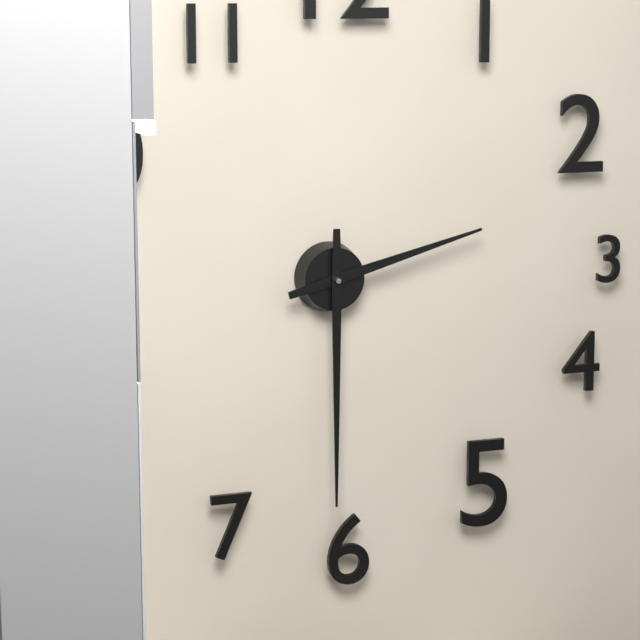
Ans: 2:30
